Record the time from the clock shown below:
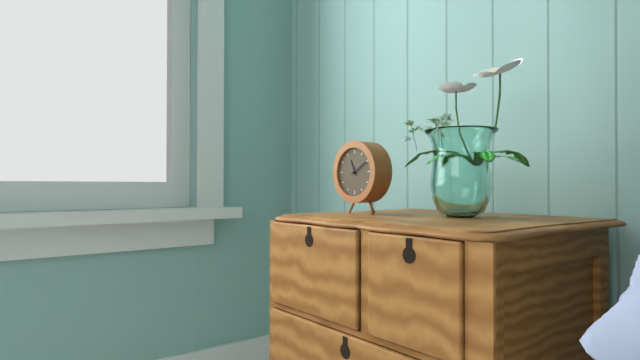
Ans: 11:10
